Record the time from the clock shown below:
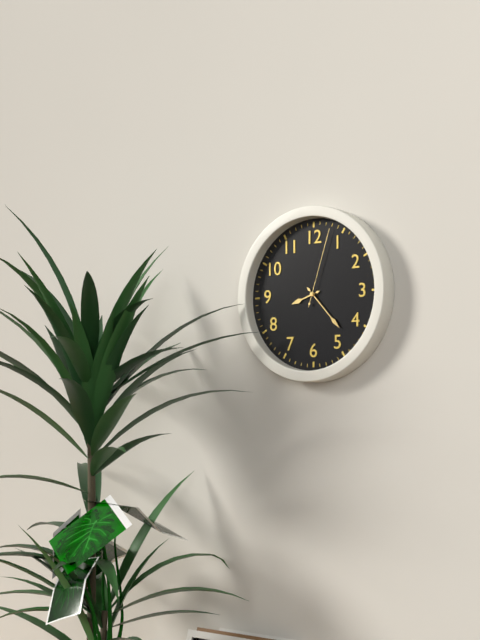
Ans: 8:23:03
